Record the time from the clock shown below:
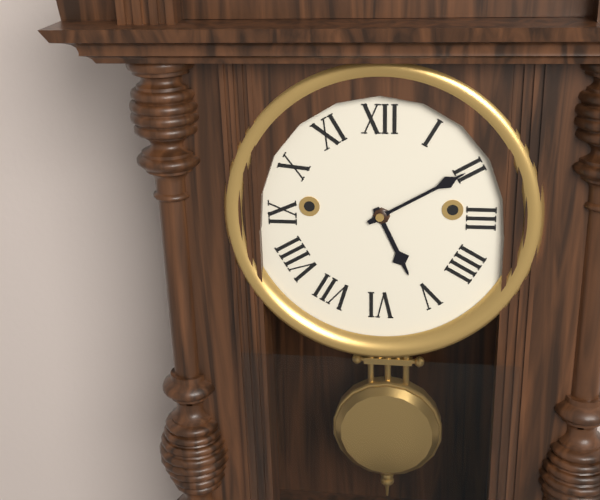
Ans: 5:10
